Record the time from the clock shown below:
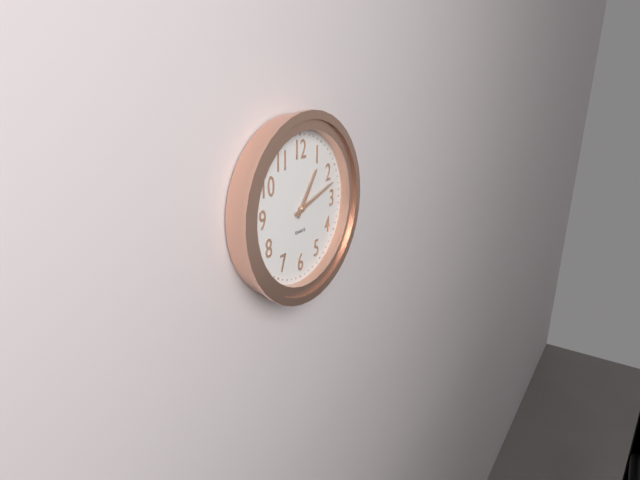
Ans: 1:12
